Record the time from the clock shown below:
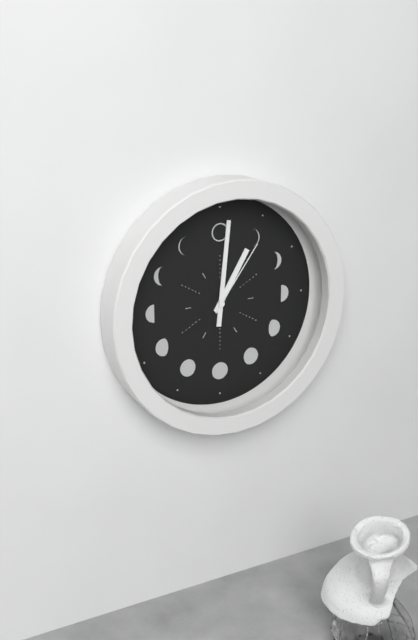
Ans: 1:01:06
